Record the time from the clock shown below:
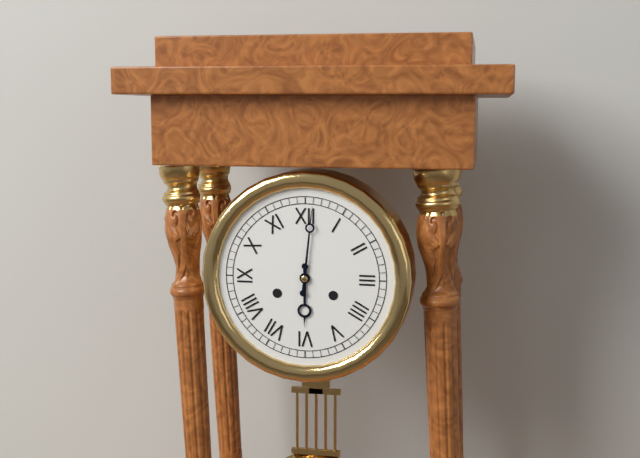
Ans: 6:01
